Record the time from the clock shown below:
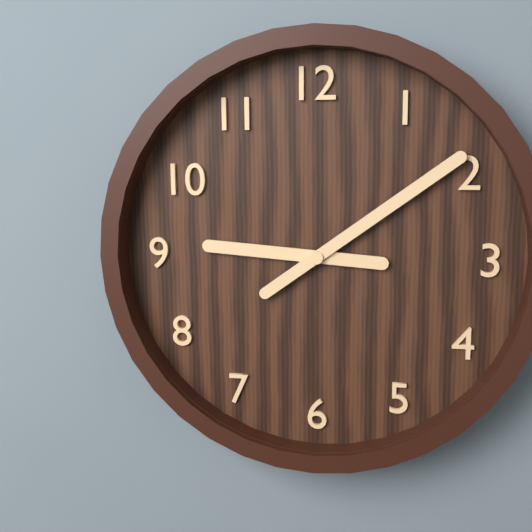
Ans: 9:09
